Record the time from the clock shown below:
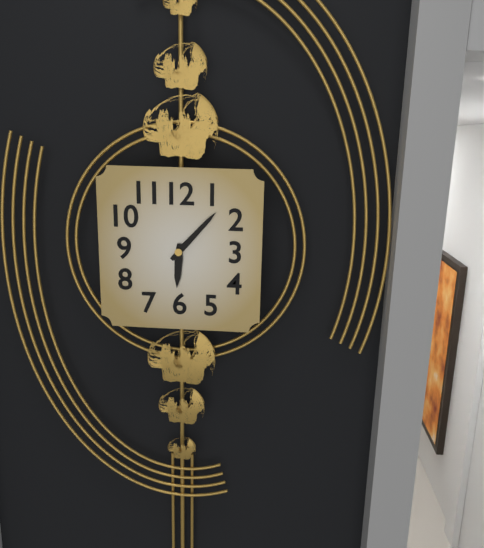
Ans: 6:07
